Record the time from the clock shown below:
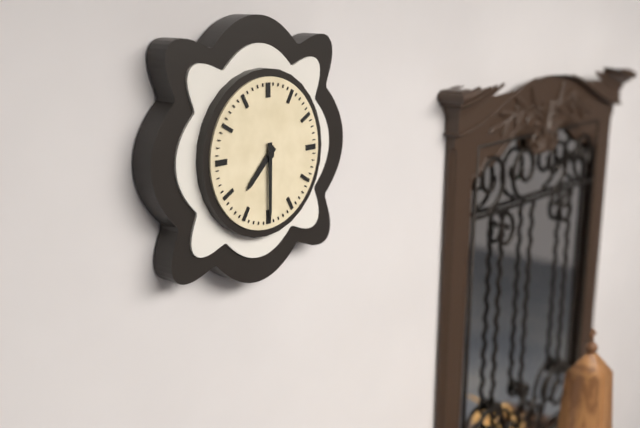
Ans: 7:30
